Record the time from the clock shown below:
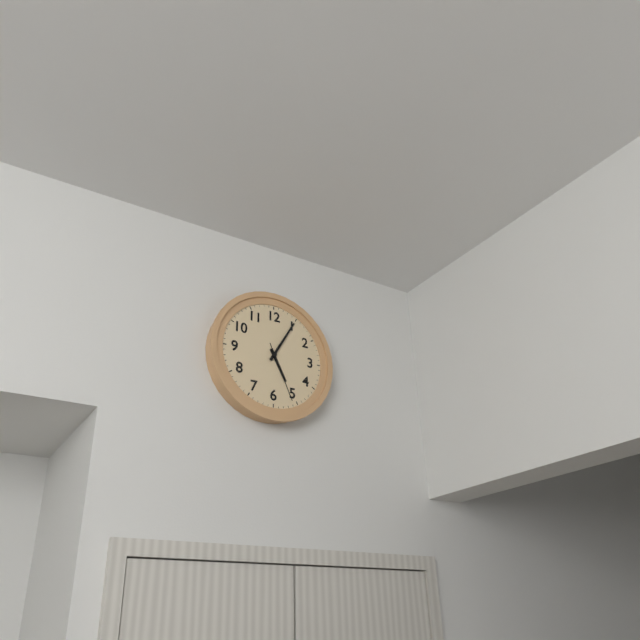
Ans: 5:05:26
